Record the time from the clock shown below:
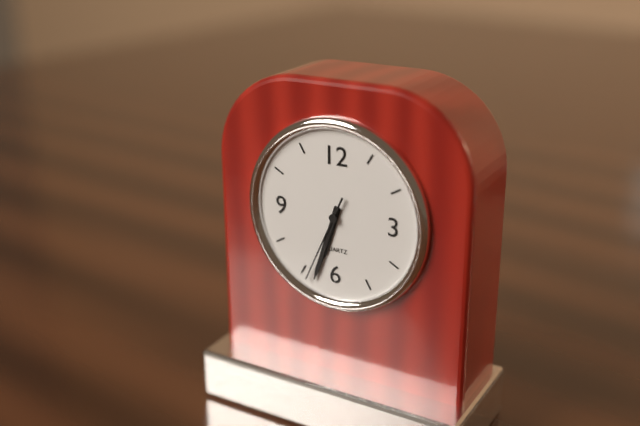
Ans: 6:33:34
